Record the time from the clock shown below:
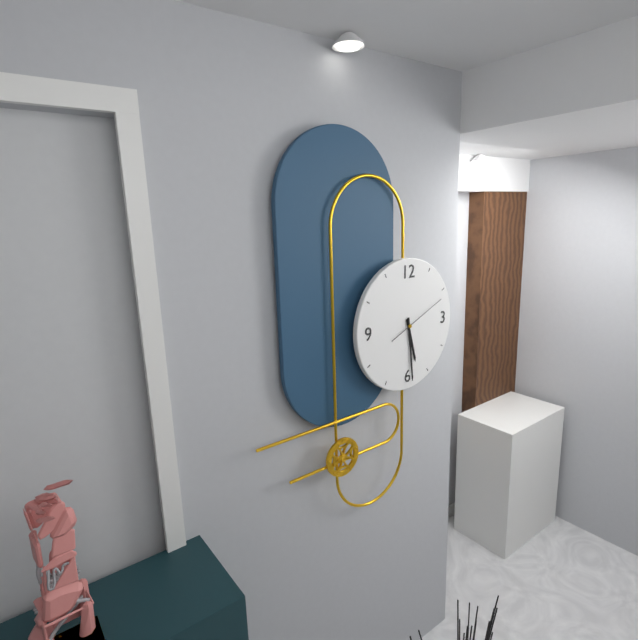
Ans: 5:29:11
